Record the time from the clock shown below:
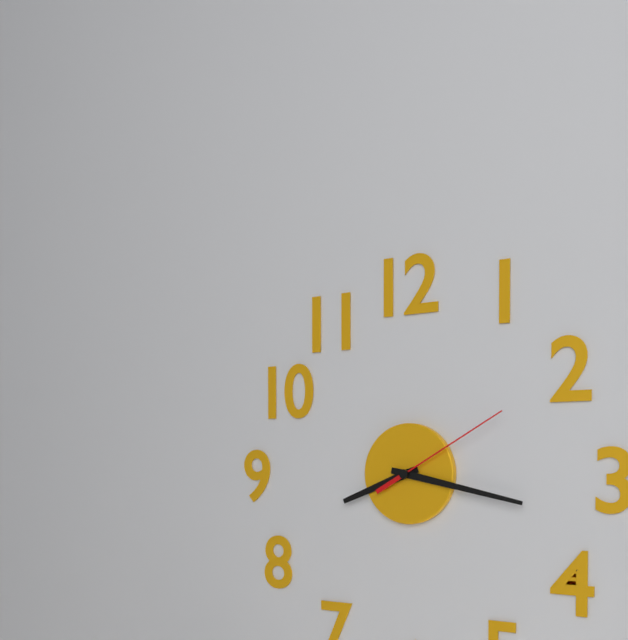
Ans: 8:17:10
